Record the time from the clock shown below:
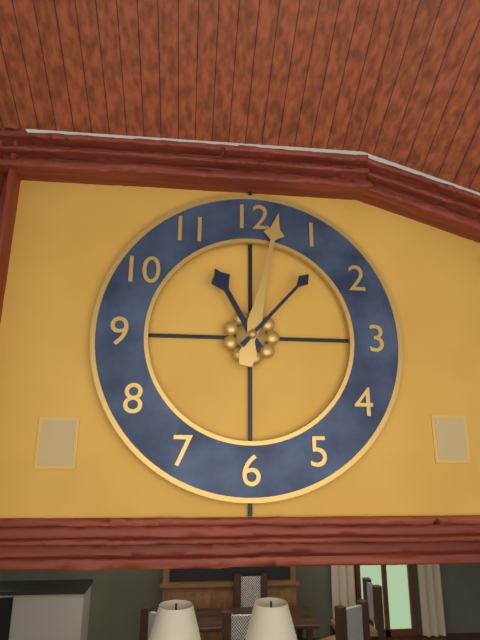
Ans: 11:02:07
